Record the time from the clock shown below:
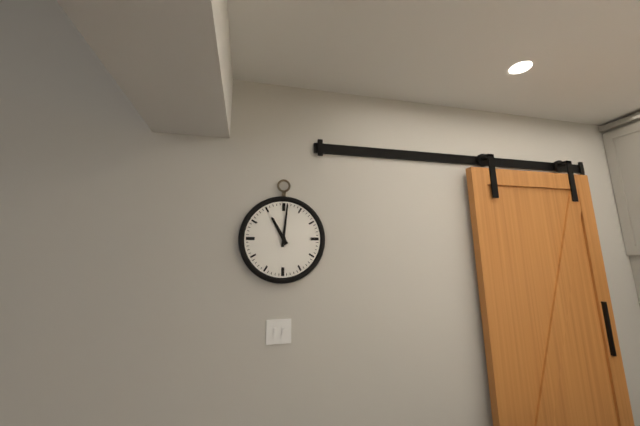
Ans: 11:01
